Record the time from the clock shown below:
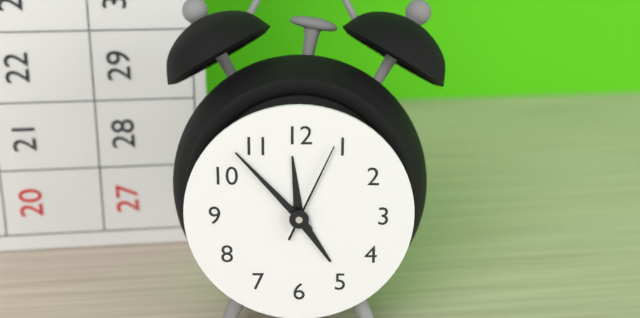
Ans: 4:53:04
